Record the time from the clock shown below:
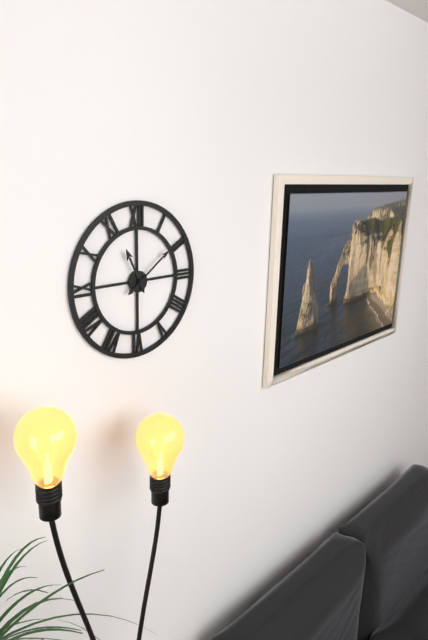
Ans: 11:09
